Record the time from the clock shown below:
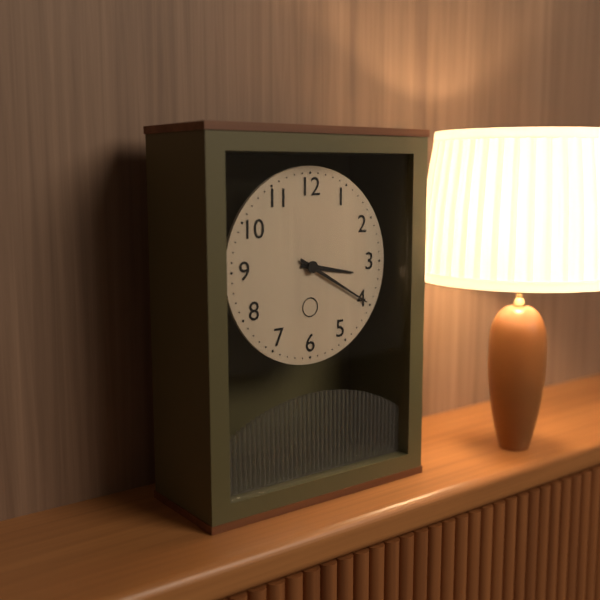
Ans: 3:20
